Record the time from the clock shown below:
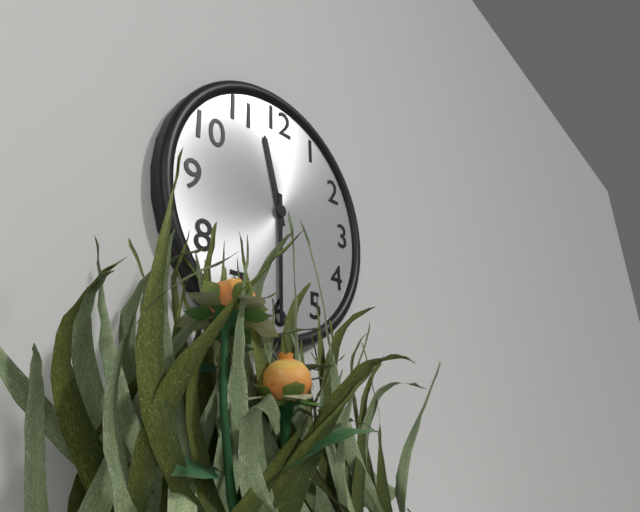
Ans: 11:30
